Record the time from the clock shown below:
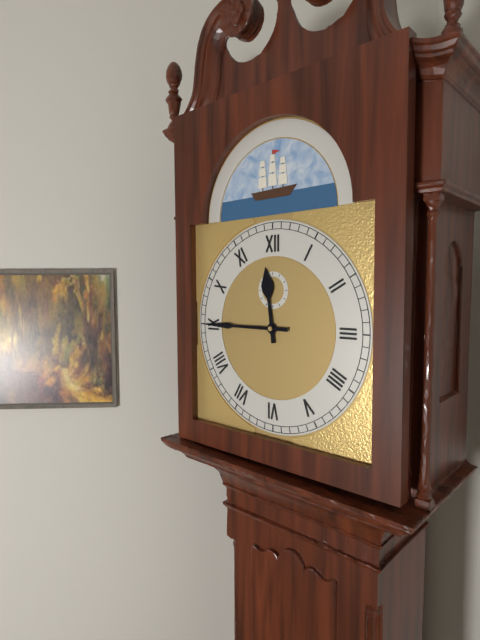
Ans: 11:45
